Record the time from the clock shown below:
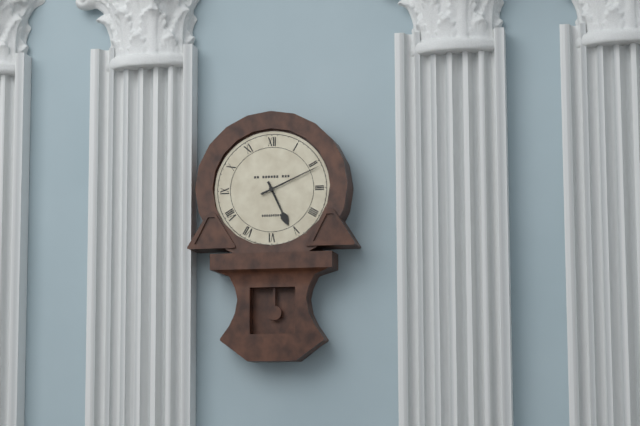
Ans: 5:11
